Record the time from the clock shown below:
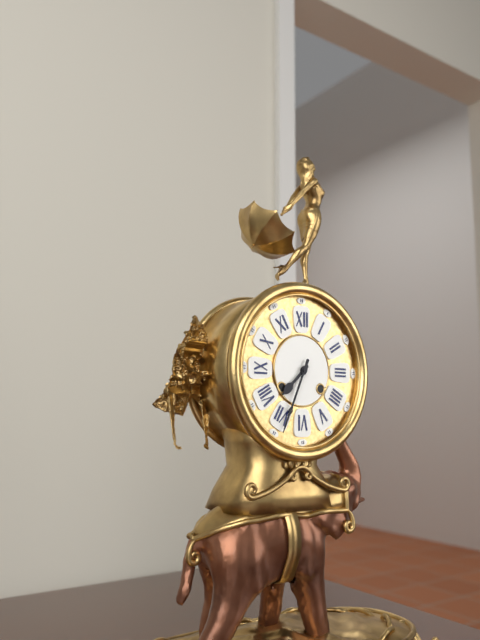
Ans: 7:34
